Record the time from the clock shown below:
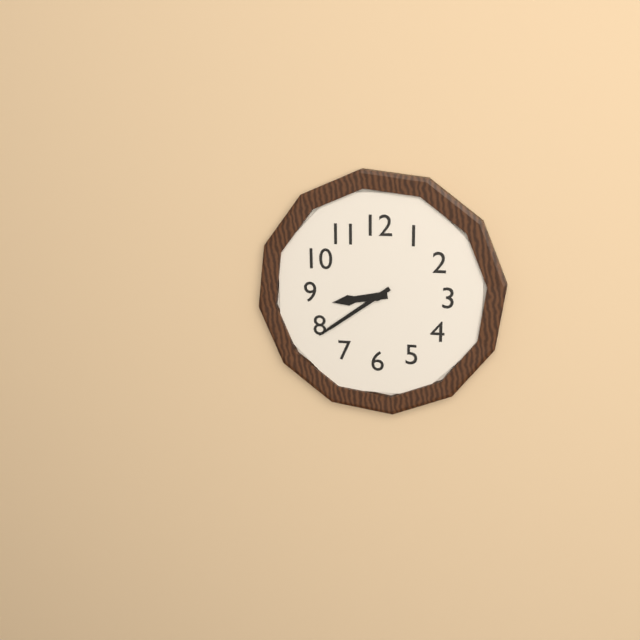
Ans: 8:39
